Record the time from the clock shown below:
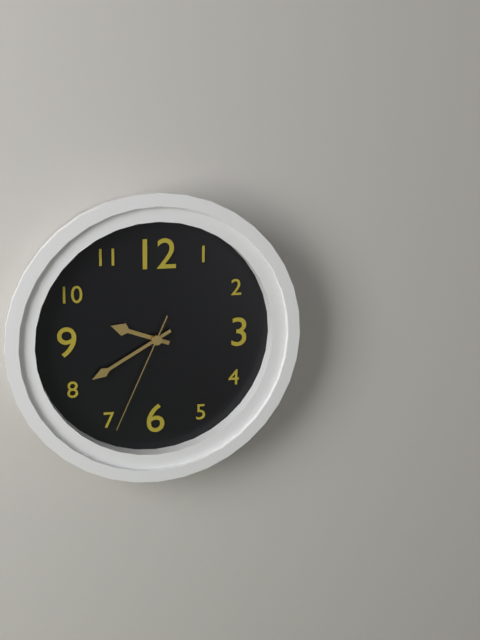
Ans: 9:40:34
